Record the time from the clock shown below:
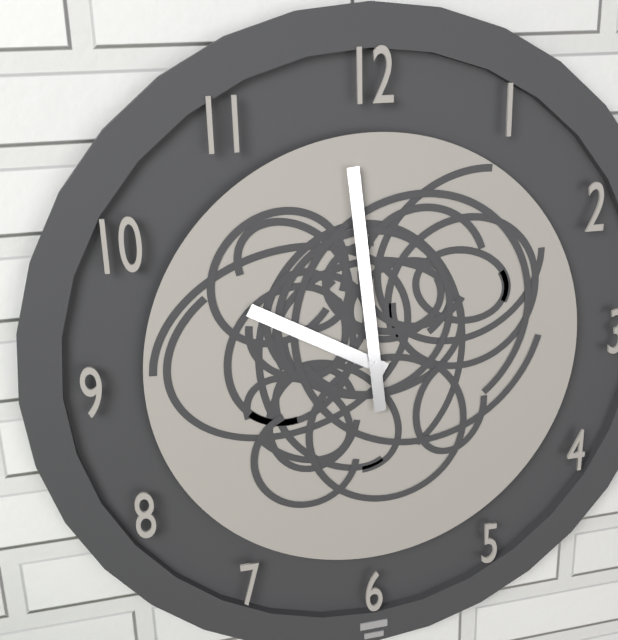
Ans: 9:59
